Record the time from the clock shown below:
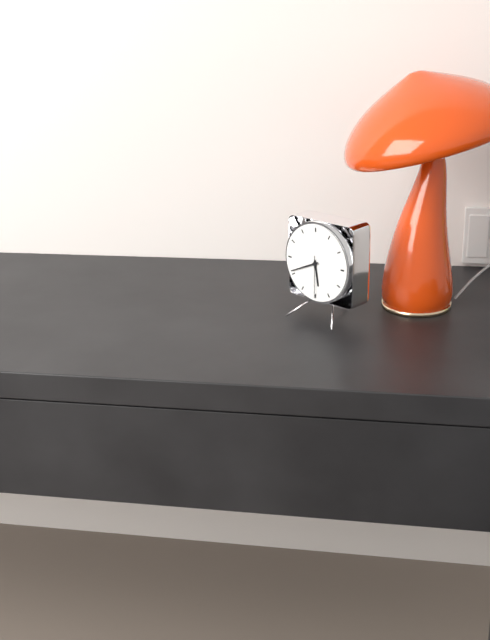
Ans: 5:41:30
